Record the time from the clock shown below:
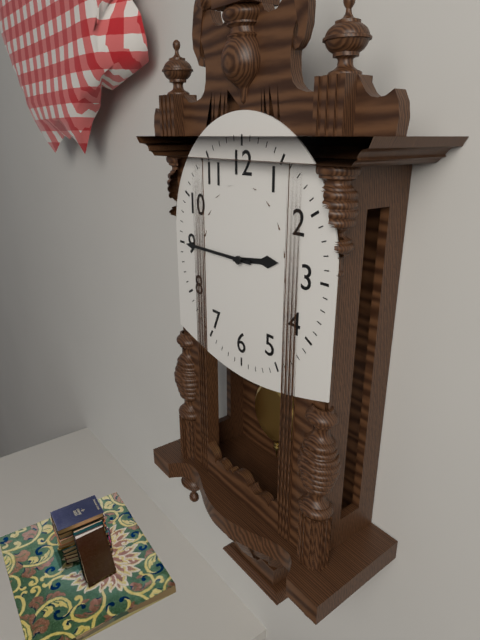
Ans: 2:45
